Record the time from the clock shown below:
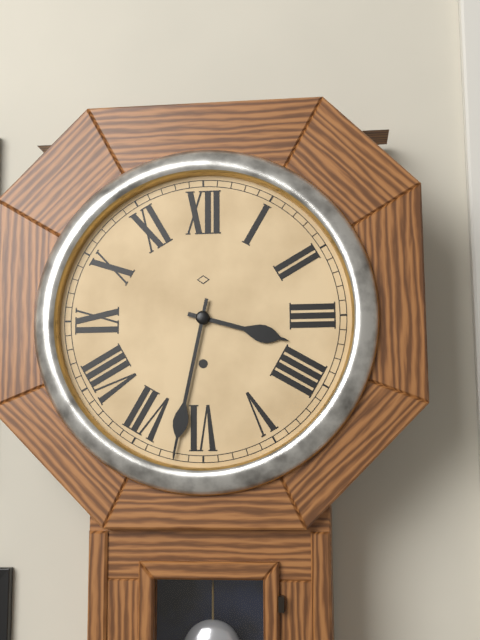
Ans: 3:32
